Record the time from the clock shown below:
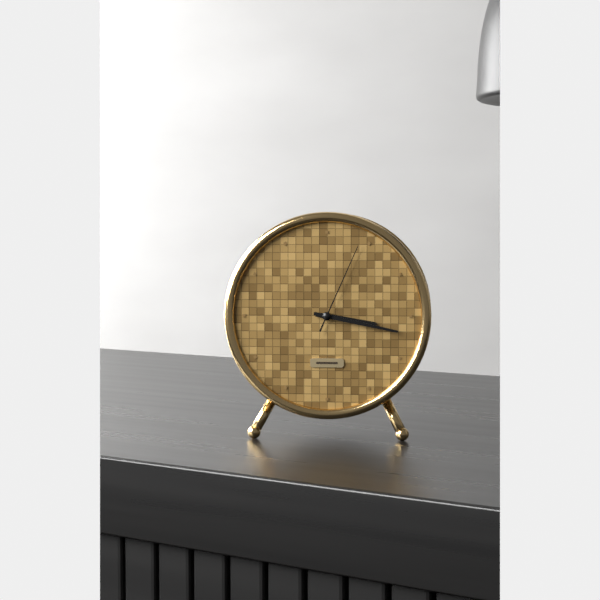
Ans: 3:17:04
